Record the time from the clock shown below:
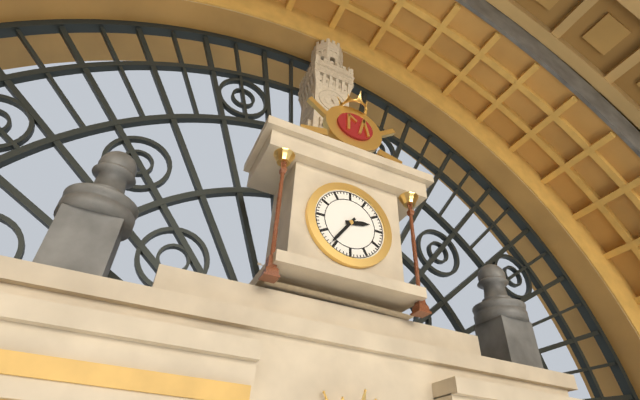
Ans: 2:36
